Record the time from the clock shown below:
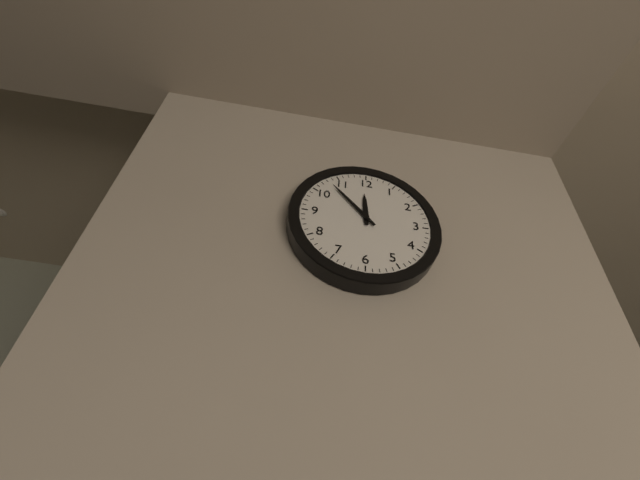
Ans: 11:53
